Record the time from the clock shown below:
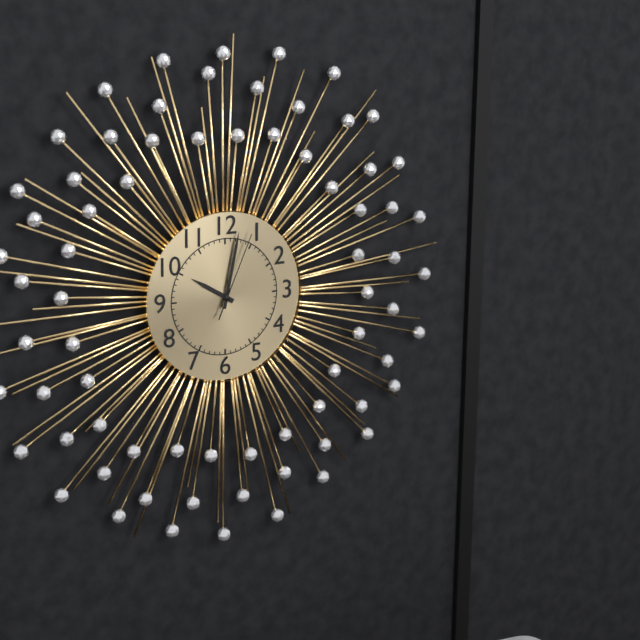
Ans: 10:02:04
